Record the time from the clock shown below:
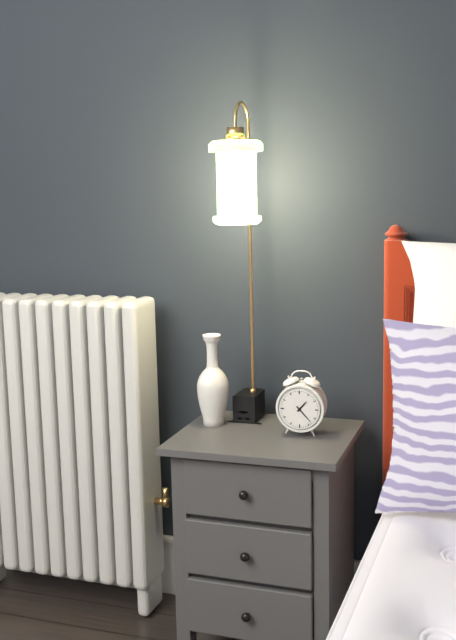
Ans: 1:23
